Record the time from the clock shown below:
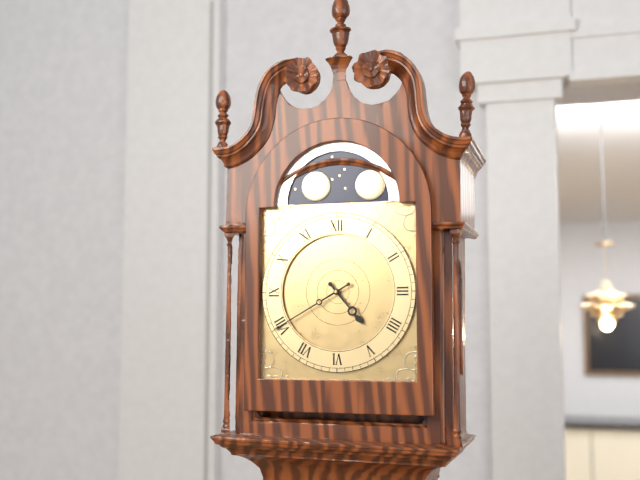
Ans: 4:40
